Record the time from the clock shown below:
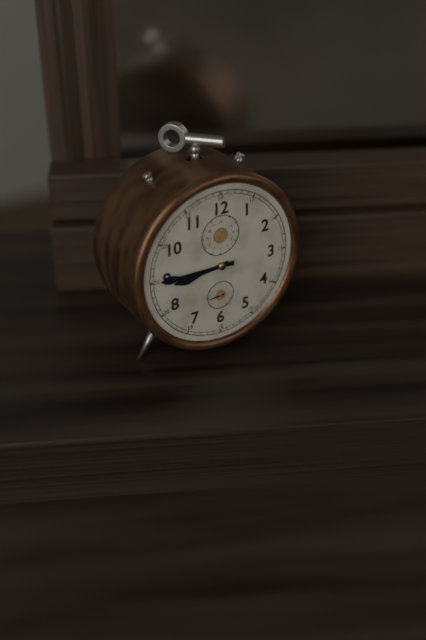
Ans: 8:45
